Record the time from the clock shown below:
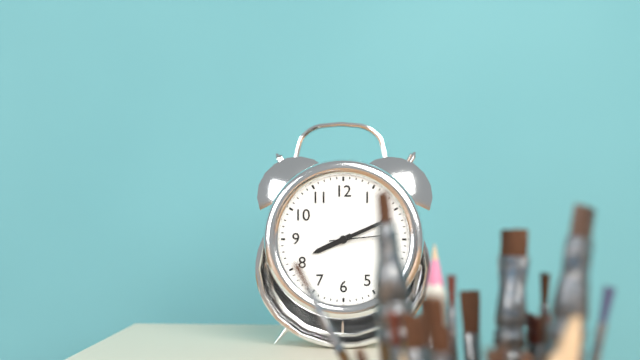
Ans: 8:11:14
